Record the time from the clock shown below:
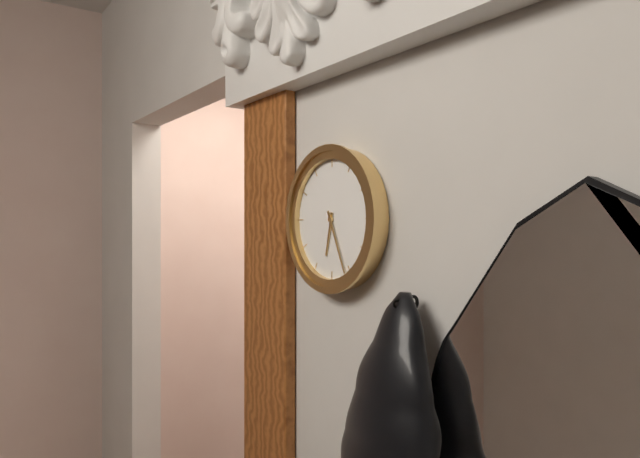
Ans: 6:26
